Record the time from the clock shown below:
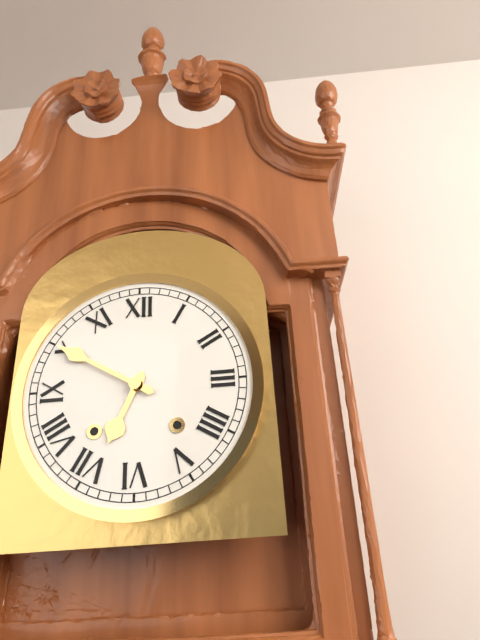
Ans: 6:50
